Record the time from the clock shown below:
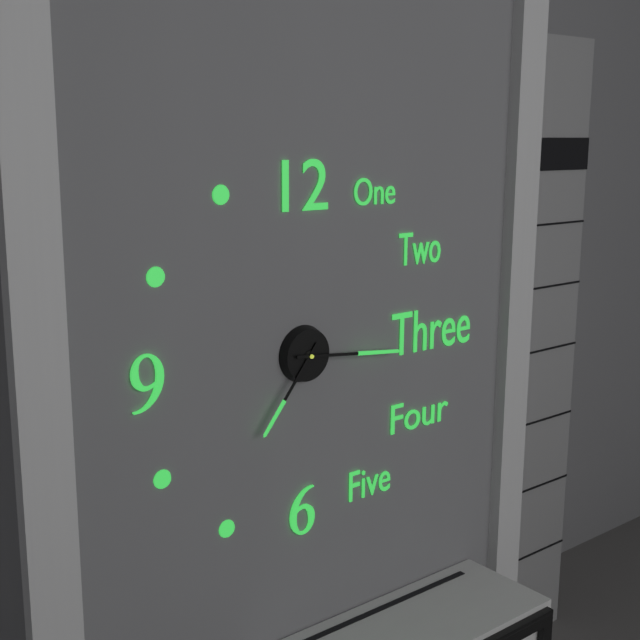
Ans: 7:16
